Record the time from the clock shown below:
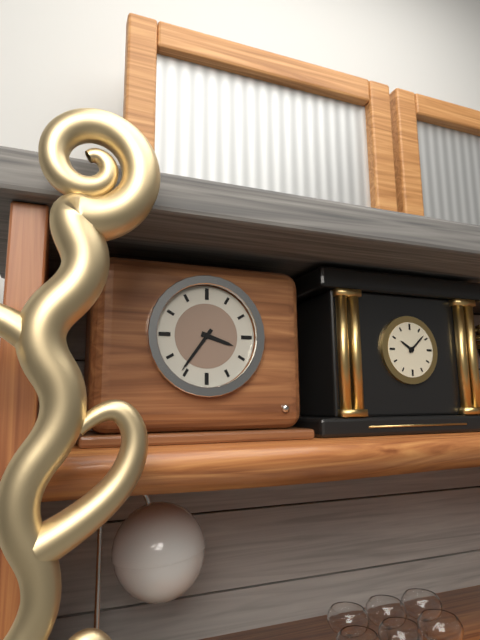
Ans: 3:36
